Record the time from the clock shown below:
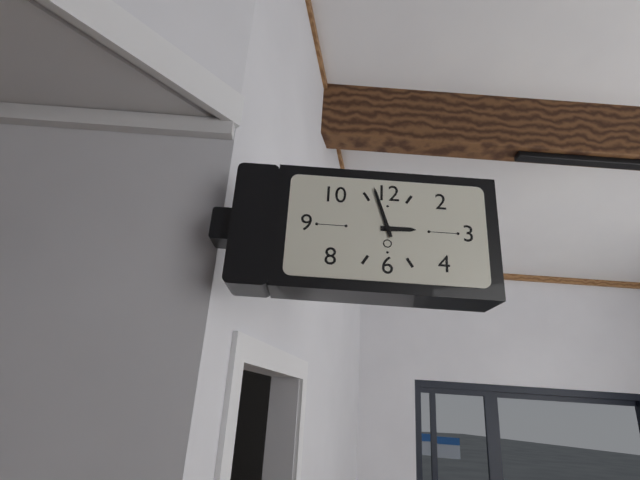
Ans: 2:57
